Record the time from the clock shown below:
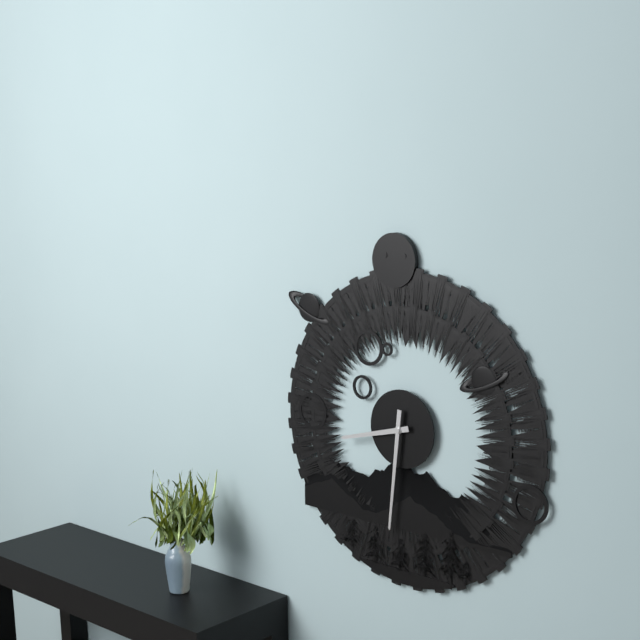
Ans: 8:31
